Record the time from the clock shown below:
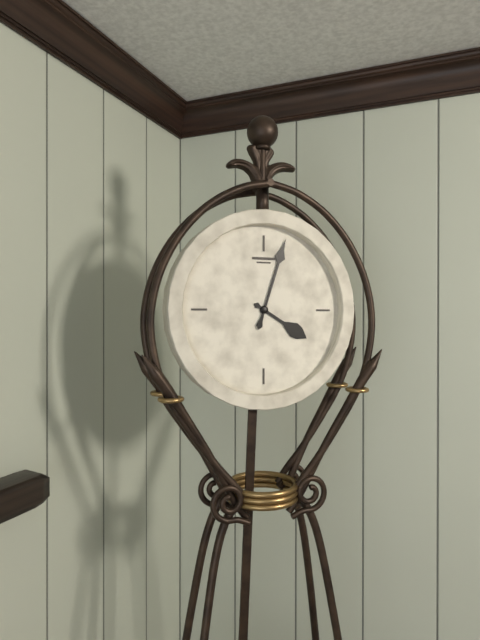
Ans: 4:03
